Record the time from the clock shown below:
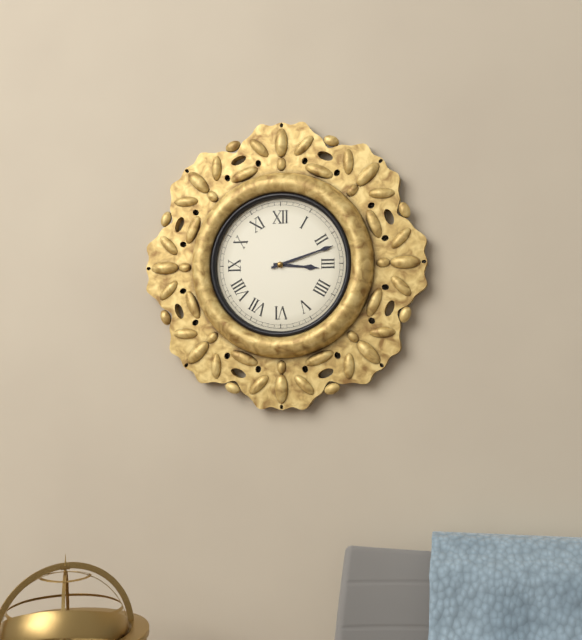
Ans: 3:12
